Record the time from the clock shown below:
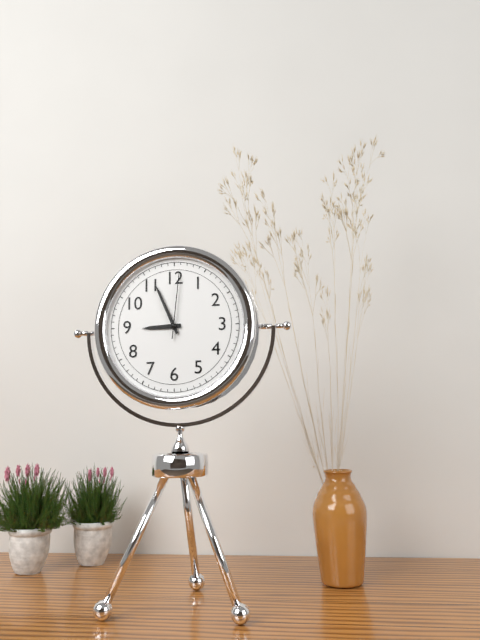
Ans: 8:56:01
